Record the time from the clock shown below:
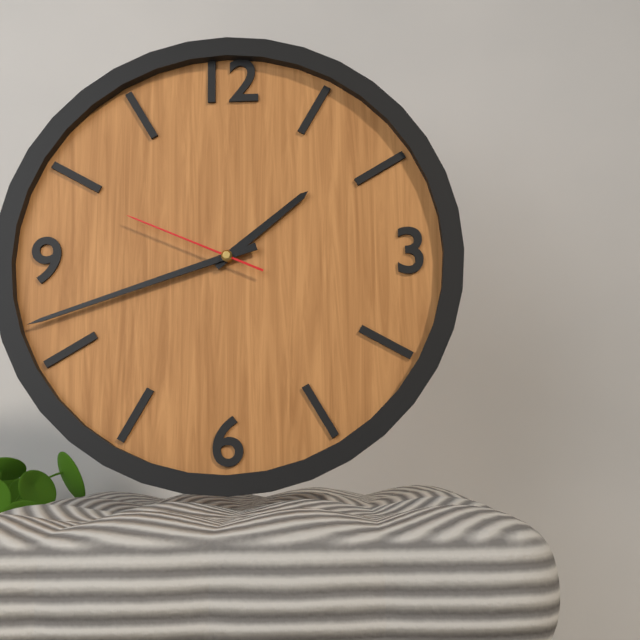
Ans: 1:42:49
